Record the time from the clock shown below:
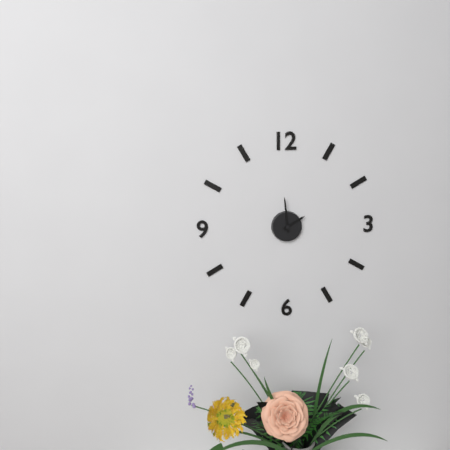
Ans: 1:59
